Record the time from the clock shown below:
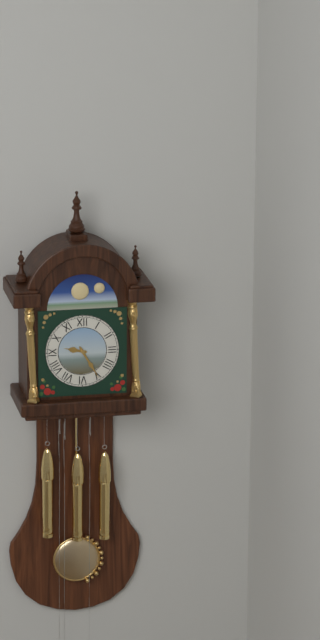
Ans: 9:25
